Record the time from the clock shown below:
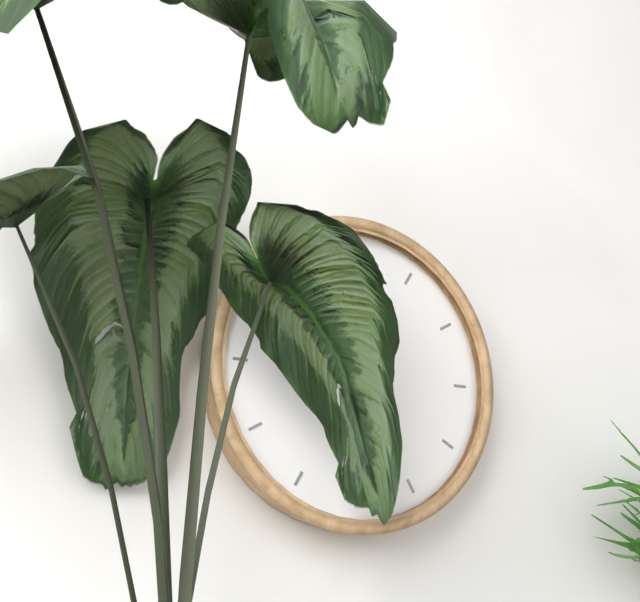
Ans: 4:53
